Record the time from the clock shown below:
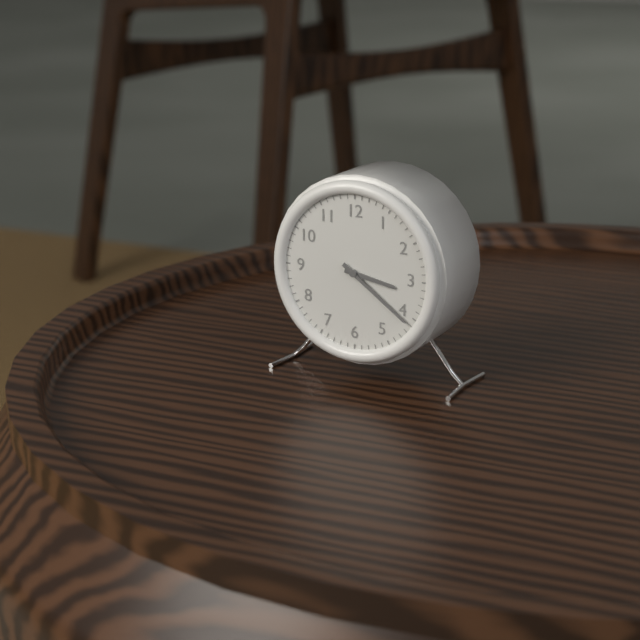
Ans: 3:21
